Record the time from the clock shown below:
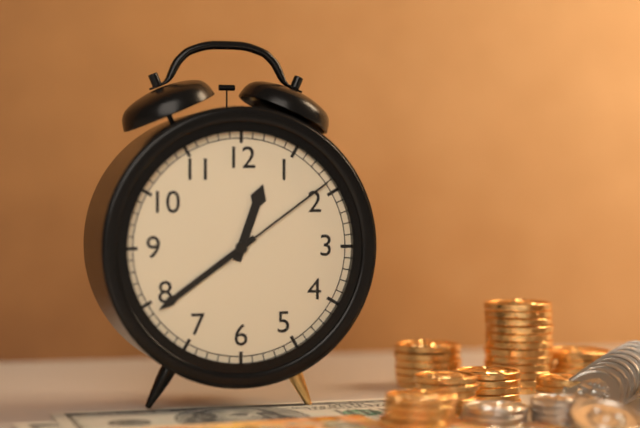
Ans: 12:39:09
